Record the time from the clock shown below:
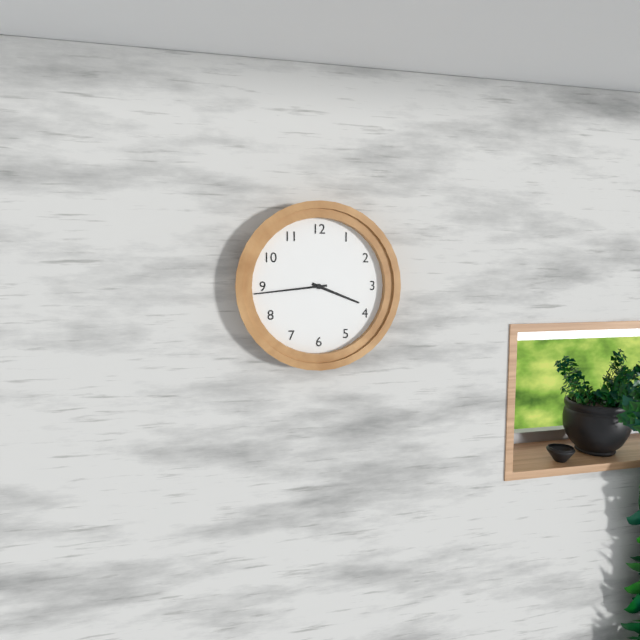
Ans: 3:44
